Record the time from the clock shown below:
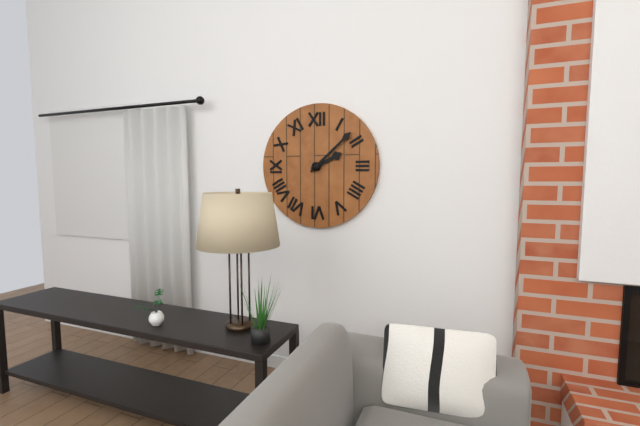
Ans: 2:08
